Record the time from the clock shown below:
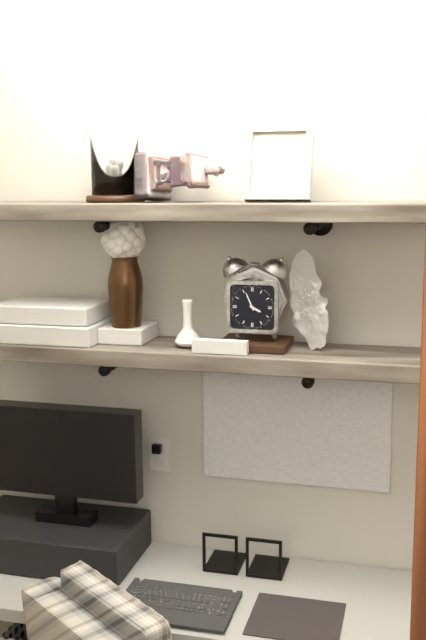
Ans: 3:56
